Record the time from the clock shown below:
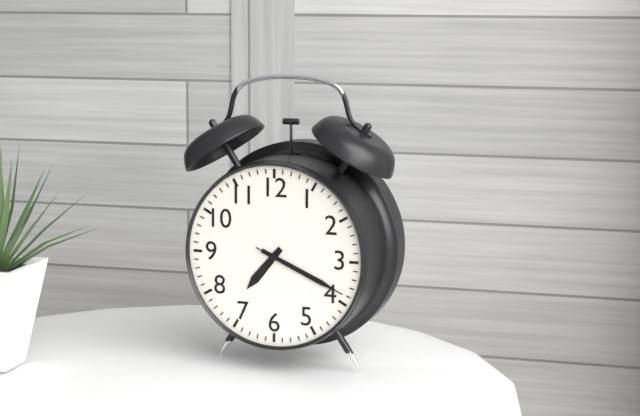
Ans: 7:19:19
